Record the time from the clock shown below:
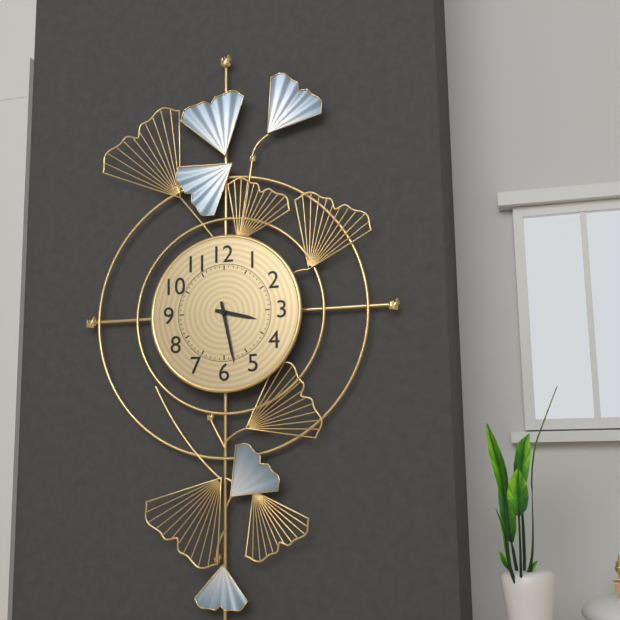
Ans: 3:28
